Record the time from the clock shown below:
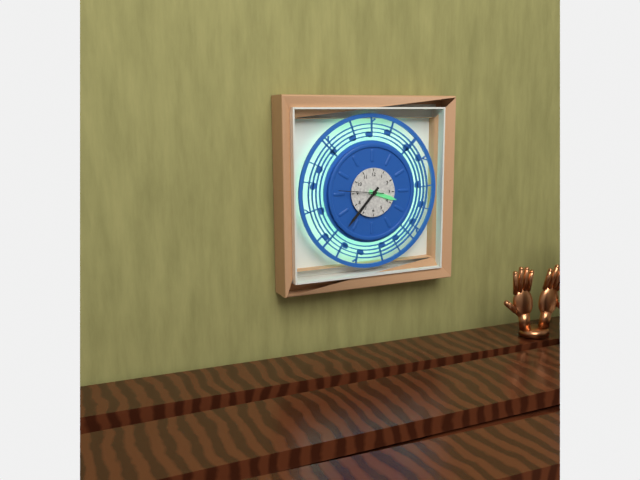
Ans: 3:37
